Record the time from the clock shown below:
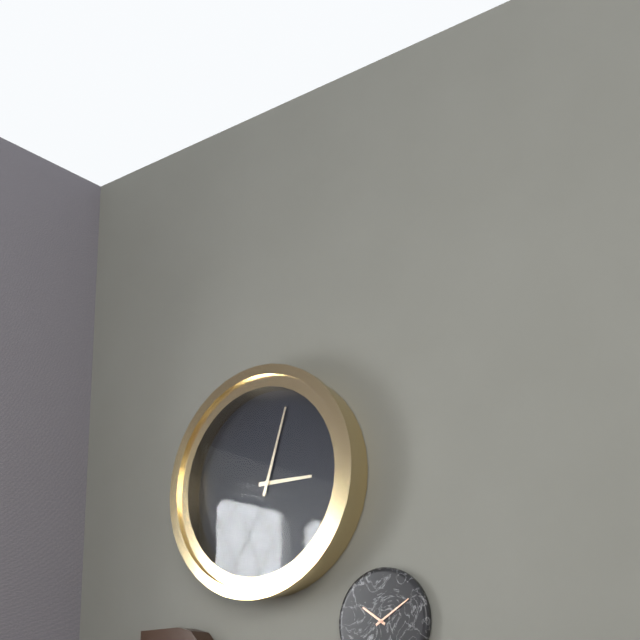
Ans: 3:03
